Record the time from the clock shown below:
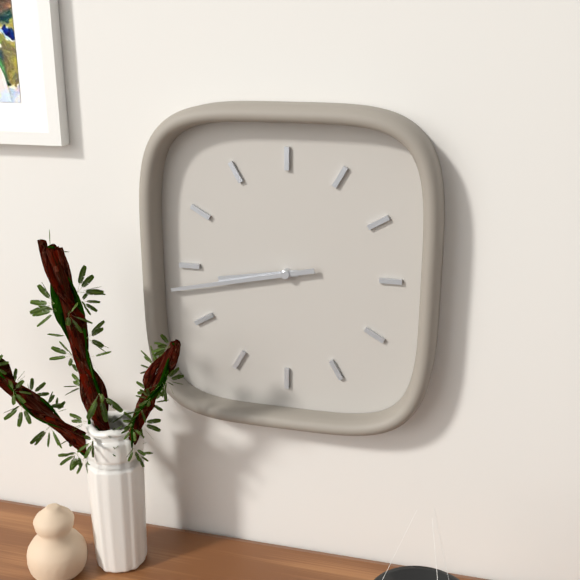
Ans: 8:43
